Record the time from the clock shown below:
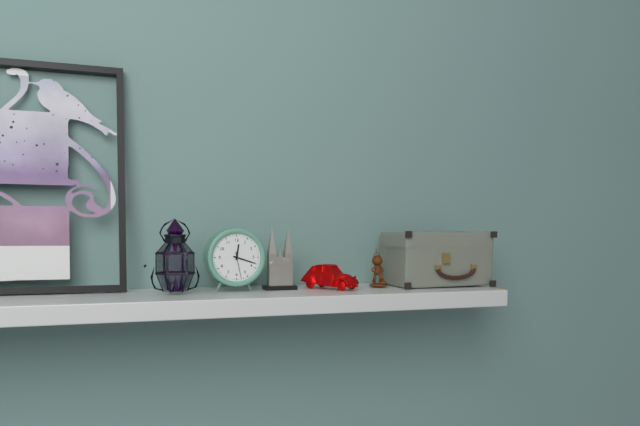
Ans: 12:18
